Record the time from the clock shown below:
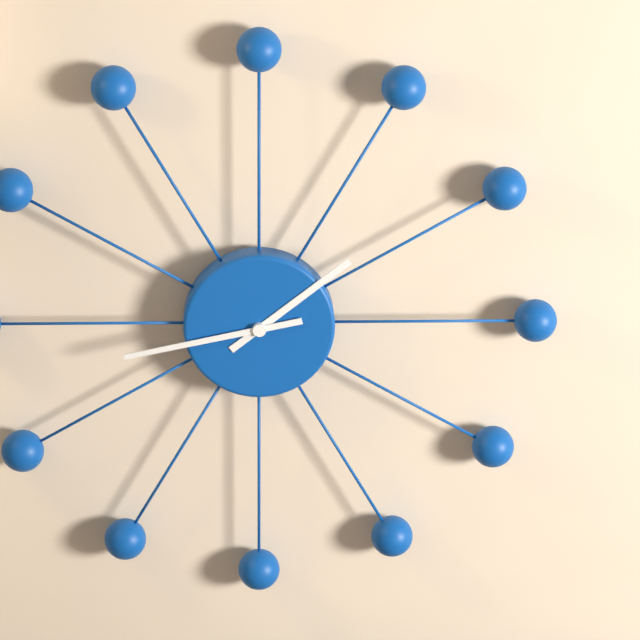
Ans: 1:43
